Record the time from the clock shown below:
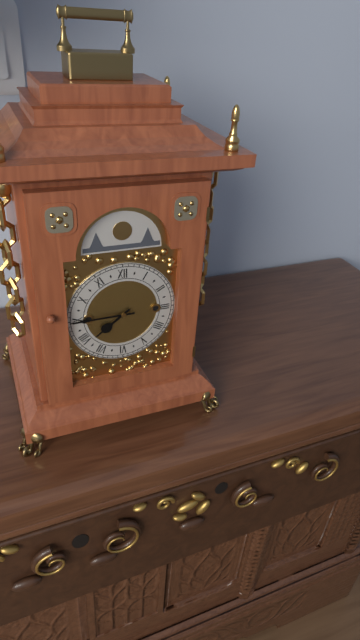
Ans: 7:45
